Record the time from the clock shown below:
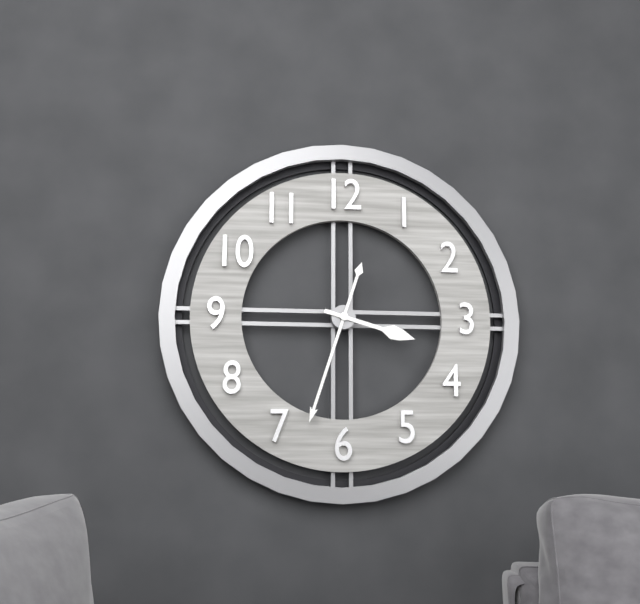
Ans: 3:33
